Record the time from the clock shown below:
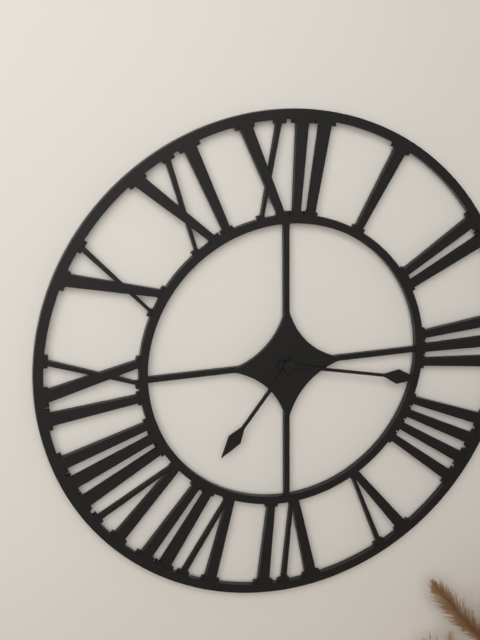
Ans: 7:17
